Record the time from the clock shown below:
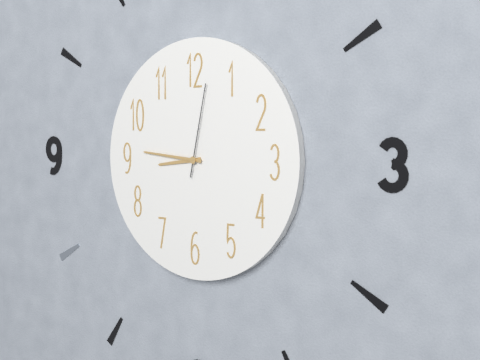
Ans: 8:46:02
